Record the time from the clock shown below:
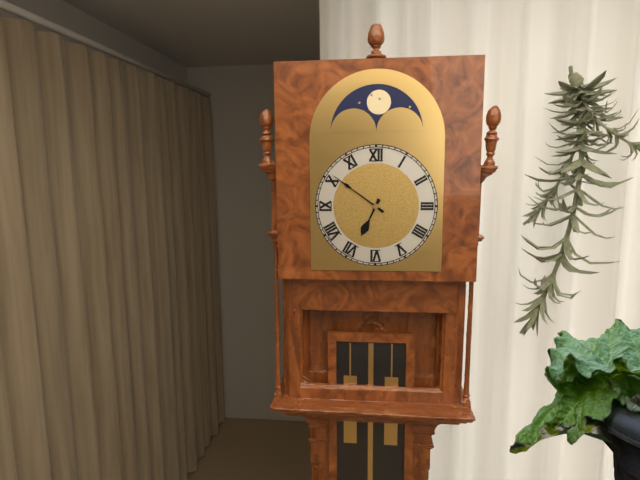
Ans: 6:51
